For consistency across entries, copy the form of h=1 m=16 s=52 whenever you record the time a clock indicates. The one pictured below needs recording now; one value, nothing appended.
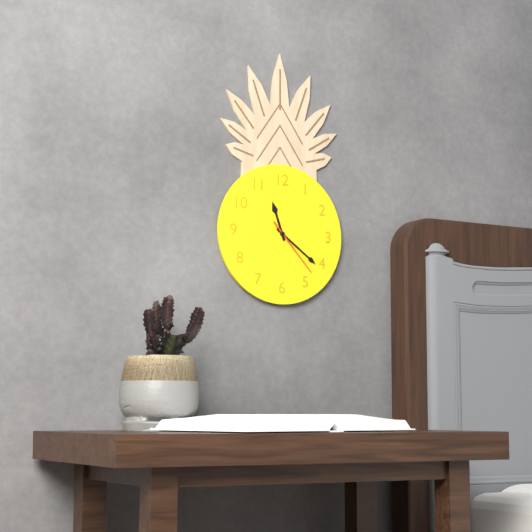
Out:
h=11 m=21 s=23
